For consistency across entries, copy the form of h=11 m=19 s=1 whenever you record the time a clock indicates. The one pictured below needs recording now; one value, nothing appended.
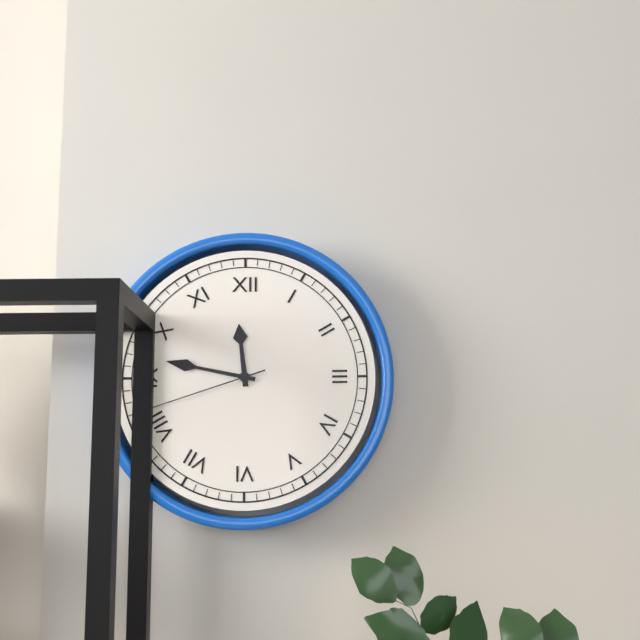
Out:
h=11 m=47 s=42
